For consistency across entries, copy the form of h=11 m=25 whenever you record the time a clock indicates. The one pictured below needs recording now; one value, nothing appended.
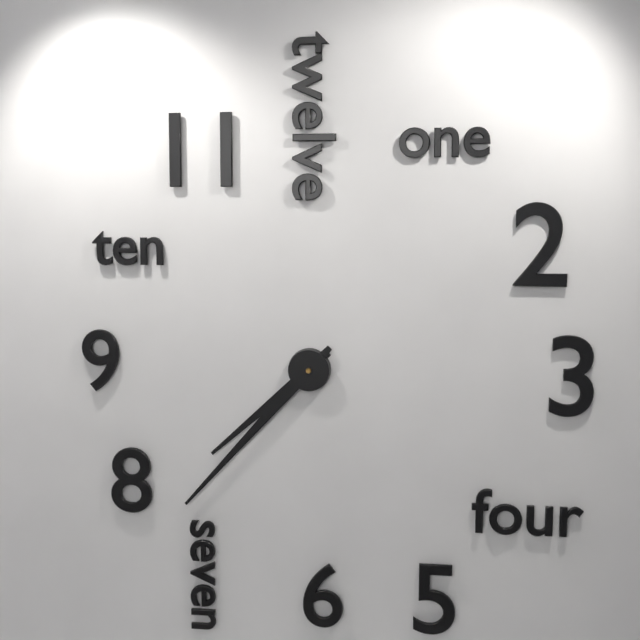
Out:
h=7 m=37
